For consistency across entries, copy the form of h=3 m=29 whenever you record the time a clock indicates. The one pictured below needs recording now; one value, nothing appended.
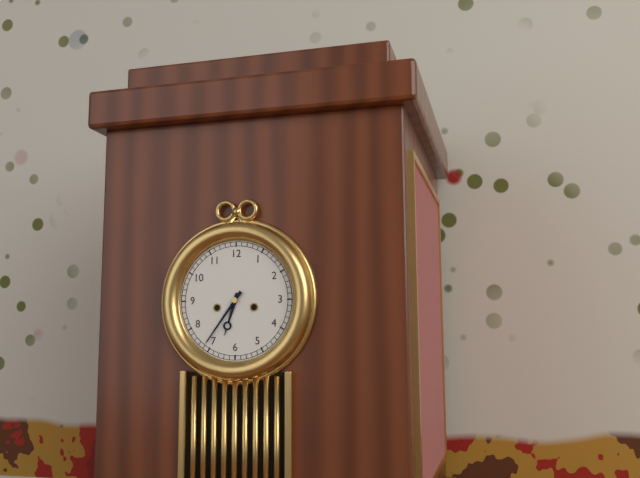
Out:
h=6 m=36
